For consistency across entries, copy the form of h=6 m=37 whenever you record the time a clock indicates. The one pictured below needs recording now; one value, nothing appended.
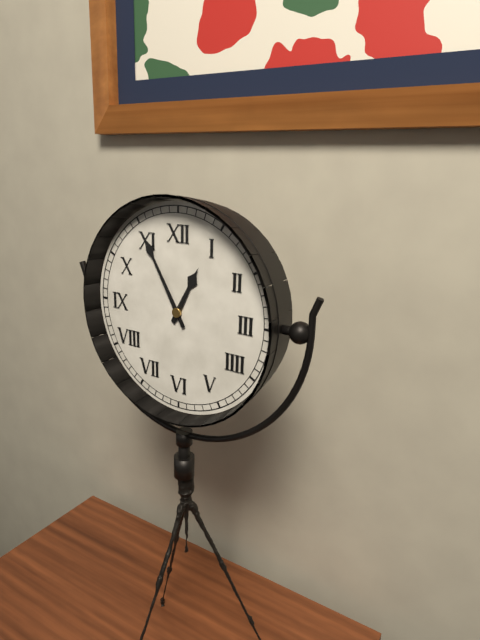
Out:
h=12 m=55
